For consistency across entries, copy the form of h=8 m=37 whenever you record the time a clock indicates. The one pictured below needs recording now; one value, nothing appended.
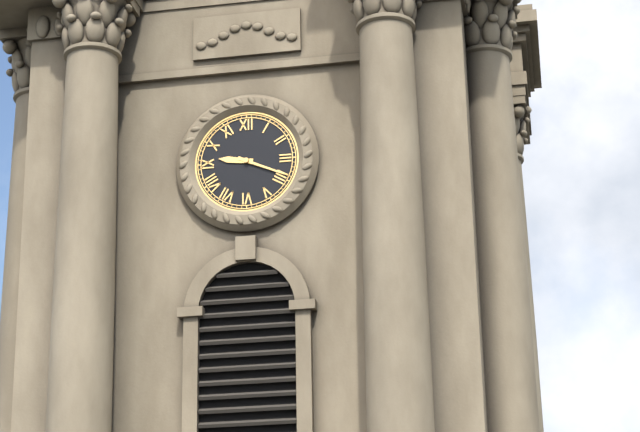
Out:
h=9 m=19
